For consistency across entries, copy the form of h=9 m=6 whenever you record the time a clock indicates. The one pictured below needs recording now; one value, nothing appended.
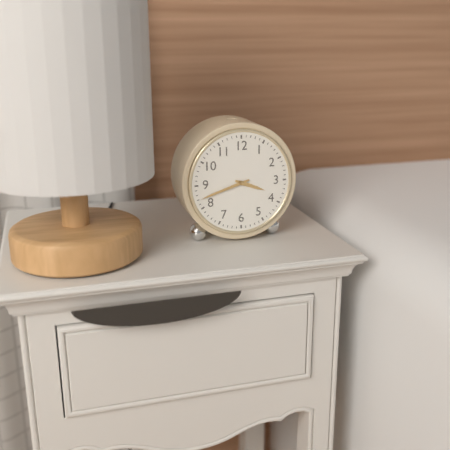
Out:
h=3 m=42
